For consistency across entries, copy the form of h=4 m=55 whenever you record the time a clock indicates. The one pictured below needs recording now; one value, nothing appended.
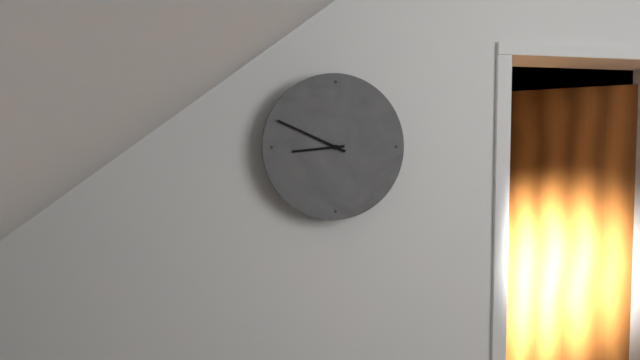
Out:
h=8 m=49
